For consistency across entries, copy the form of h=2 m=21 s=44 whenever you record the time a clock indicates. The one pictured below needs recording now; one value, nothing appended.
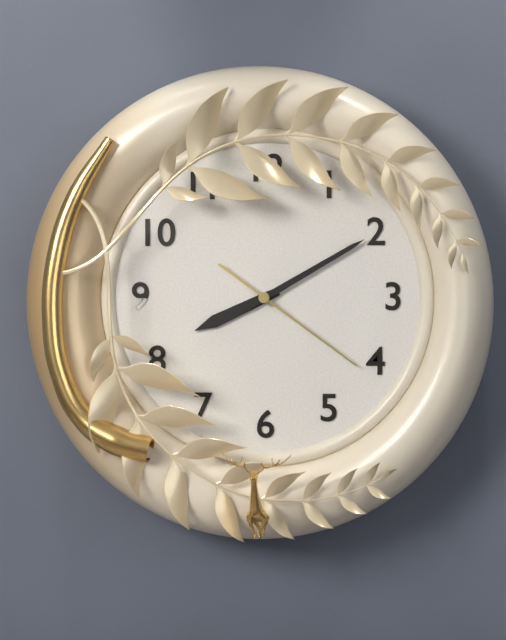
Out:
h=8 m=10 s=21
